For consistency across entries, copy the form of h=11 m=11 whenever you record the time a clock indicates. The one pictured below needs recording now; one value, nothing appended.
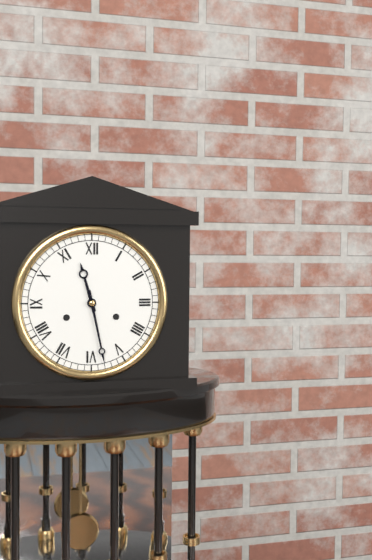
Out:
h=11 m=28
